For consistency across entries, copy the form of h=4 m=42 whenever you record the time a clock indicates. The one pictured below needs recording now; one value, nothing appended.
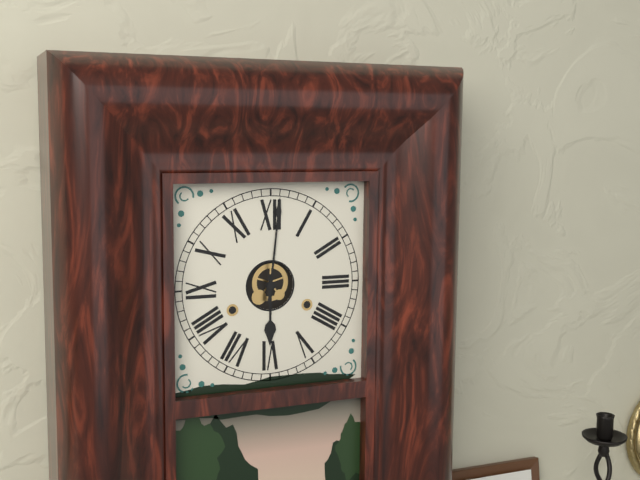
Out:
h=6 m=1
